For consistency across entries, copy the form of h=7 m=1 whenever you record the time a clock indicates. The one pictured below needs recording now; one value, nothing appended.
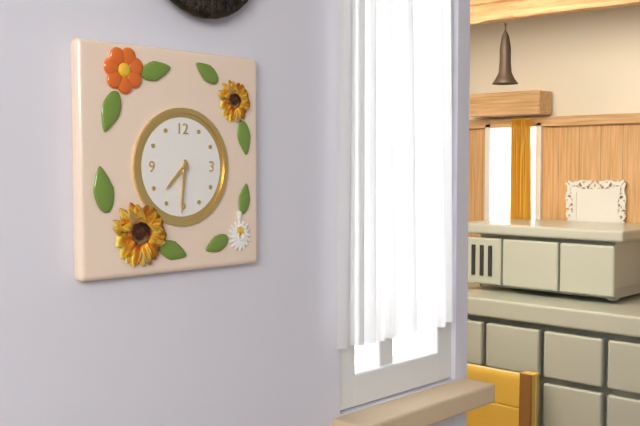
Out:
h=7 m=31
